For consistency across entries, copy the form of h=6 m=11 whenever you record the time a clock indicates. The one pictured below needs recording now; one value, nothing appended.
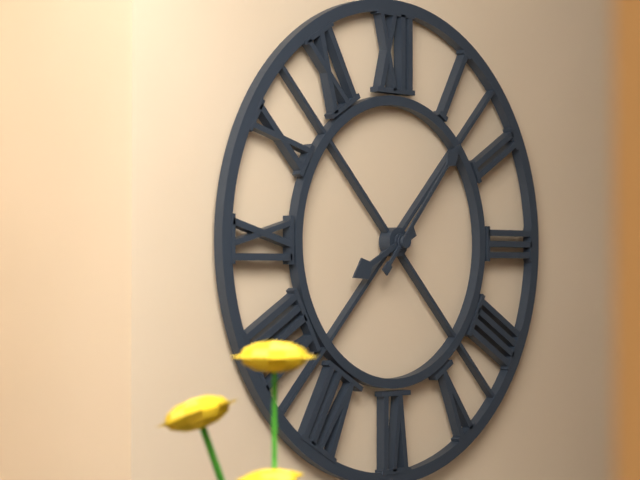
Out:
h=8 m=7
